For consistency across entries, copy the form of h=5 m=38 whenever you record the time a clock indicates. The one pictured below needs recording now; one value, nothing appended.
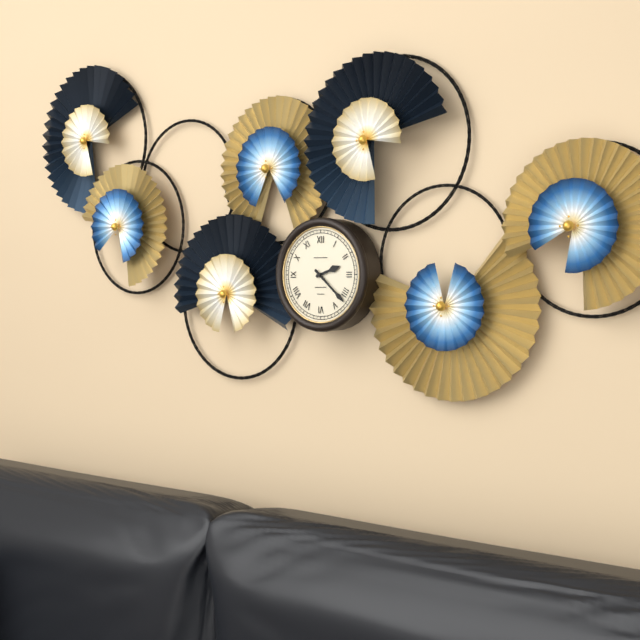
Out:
h=2 m=22
